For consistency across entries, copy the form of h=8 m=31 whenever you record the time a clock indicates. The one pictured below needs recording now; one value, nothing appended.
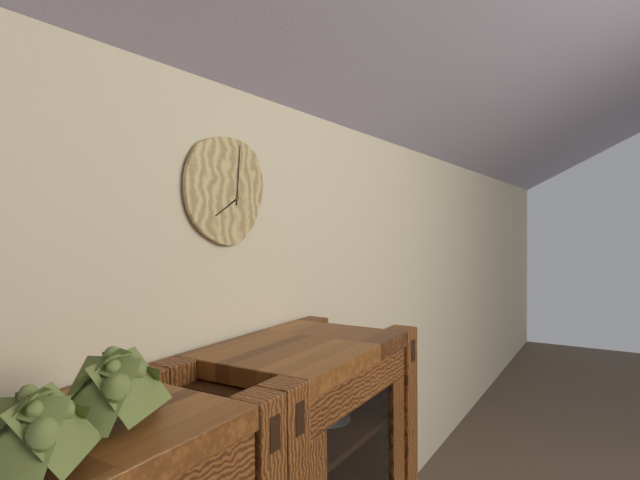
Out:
h=8 m=1
